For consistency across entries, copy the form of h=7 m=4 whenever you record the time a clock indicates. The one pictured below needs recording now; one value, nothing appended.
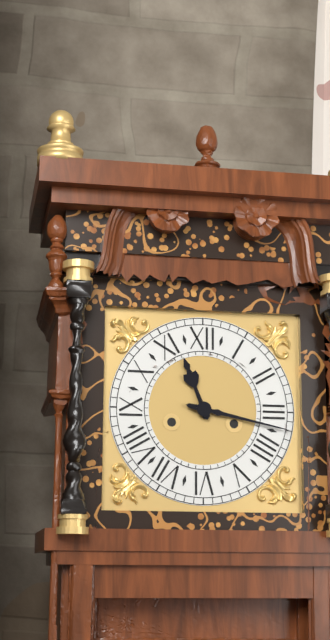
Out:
h=11 m=17
